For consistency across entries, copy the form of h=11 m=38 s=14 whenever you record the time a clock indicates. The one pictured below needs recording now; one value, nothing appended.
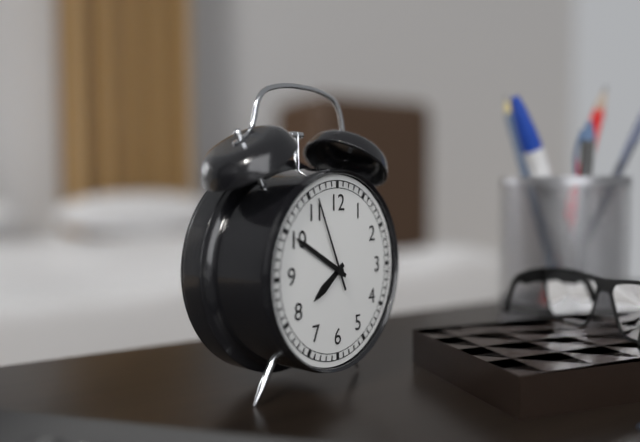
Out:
h=7 m=50 s=56
